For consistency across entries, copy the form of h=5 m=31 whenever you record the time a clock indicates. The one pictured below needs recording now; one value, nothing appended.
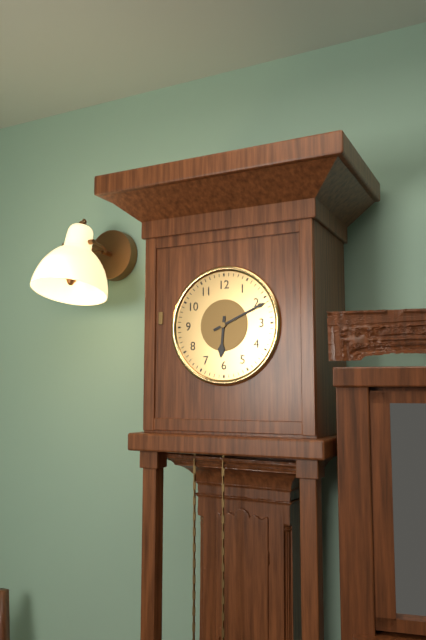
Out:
h=6 m=11
